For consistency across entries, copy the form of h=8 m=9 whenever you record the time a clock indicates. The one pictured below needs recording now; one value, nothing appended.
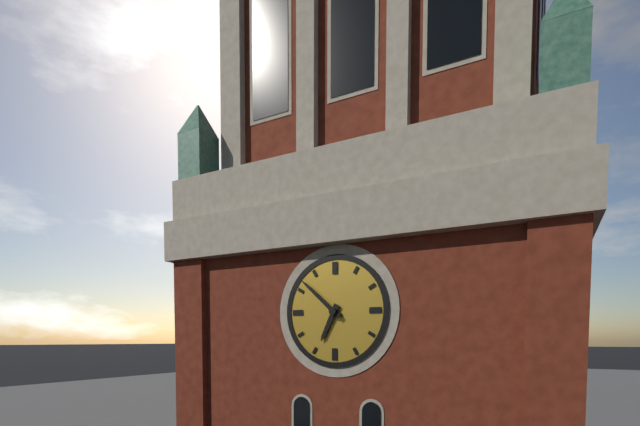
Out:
h=6 m=52
